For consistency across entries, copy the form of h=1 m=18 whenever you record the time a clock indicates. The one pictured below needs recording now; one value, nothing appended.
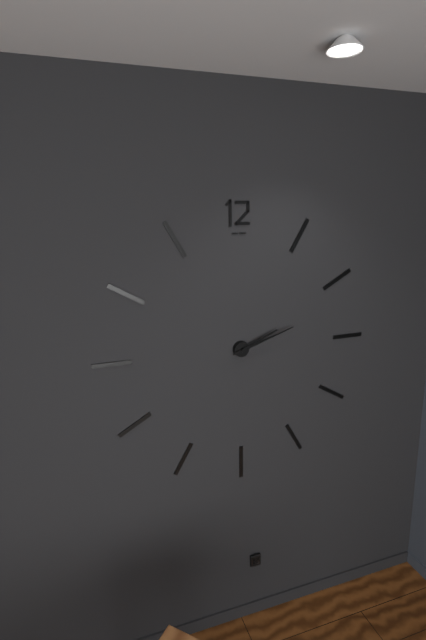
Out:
h=2 m=12
